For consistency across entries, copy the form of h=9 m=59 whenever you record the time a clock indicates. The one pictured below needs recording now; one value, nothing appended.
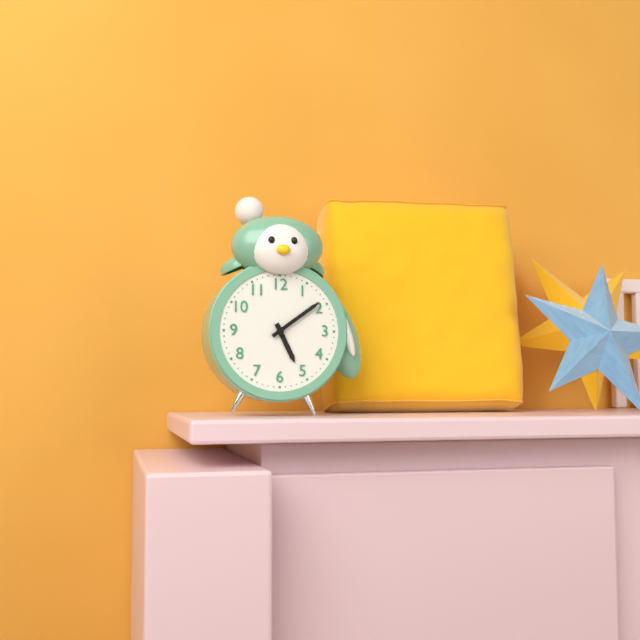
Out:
h=5 m=9
